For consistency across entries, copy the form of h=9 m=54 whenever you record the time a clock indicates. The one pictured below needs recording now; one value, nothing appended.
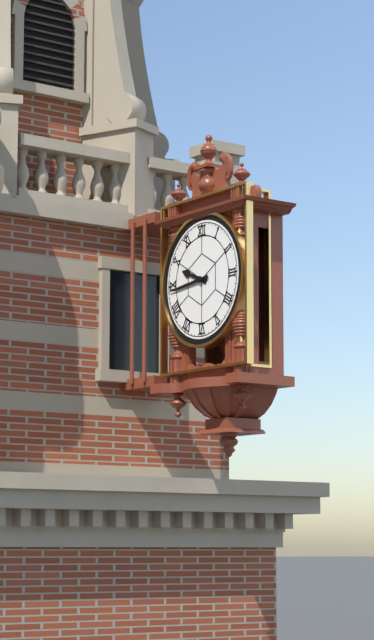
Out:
h=9 m=44
